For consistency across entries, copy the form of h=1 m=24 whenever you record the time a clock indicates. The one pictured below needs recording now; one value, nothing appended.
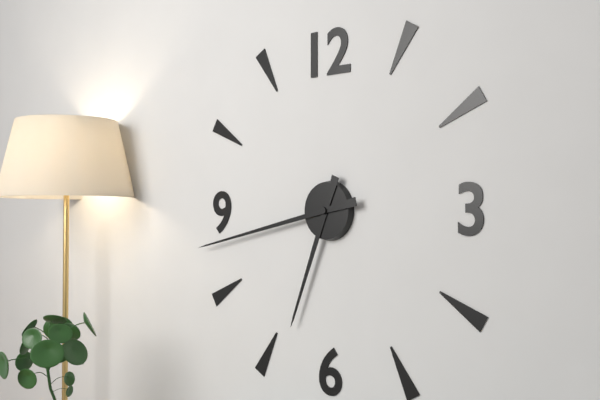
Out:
h=6 m=43
